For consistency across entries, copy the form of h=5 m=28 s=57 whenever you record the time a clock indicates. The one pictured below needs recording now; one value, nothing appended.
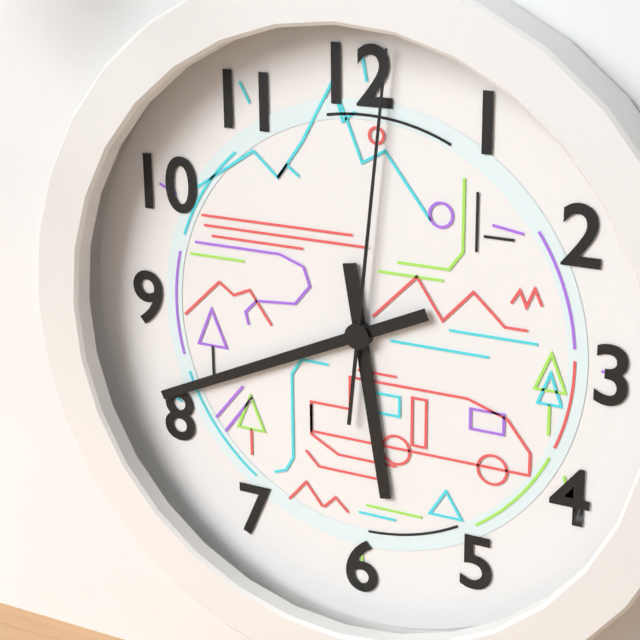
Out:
h=5 m=41 s=1
